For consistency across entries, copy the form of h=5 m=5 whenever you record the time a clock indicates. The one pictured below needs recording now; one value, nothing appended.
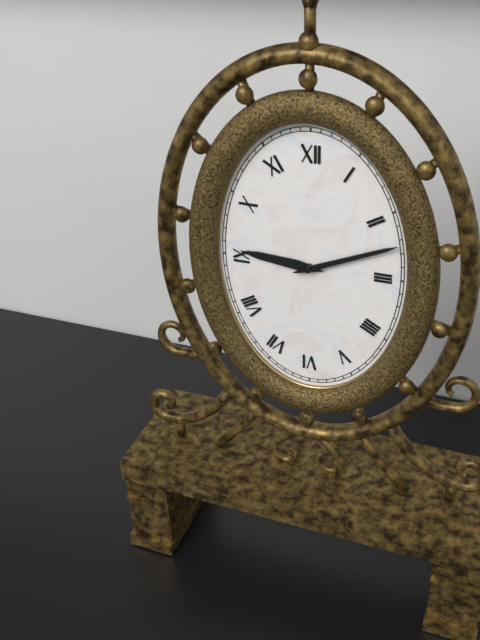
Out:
h=9 m=11
